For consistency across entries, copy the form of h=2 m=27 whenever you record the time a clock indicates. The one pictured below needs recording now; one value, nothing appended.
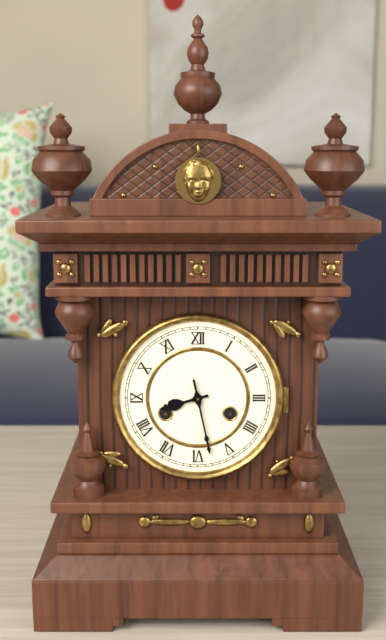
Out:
h=8 m=28
